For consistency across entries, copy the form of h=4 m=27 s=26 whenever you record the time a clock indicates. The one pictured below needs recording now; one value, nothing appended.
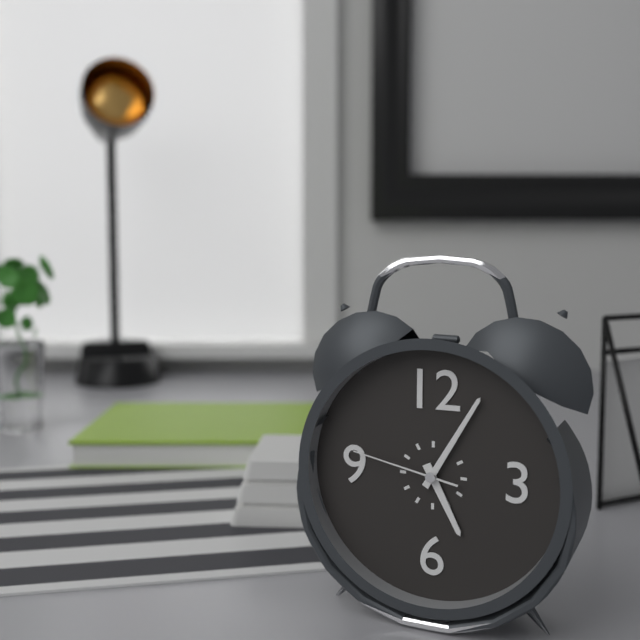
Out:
h=5 m=5 s=47
